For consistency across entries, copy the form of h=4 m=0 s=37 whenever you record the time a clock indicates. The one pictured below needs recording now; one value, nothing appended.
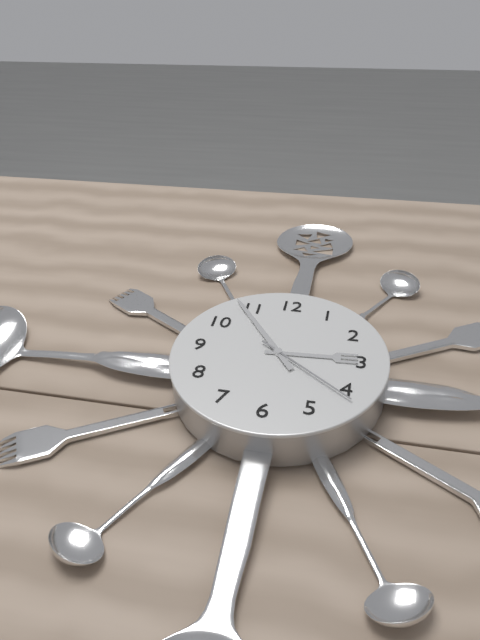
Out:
h=2 m=54 s=21
